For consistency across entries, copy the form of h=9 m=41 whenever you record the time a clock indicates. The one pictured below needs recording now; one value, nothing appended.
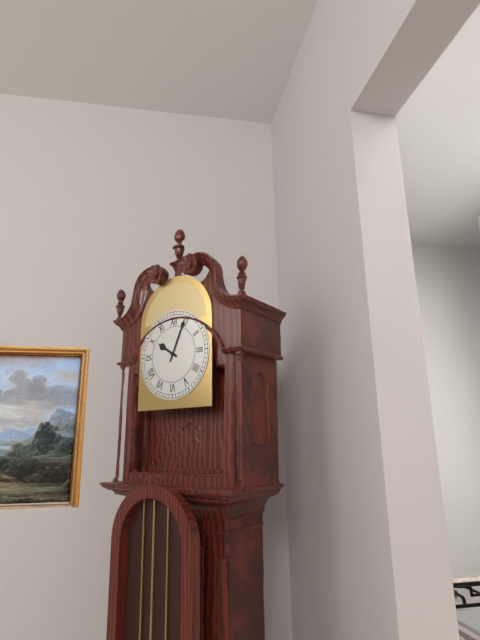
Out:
h=10 m=4
